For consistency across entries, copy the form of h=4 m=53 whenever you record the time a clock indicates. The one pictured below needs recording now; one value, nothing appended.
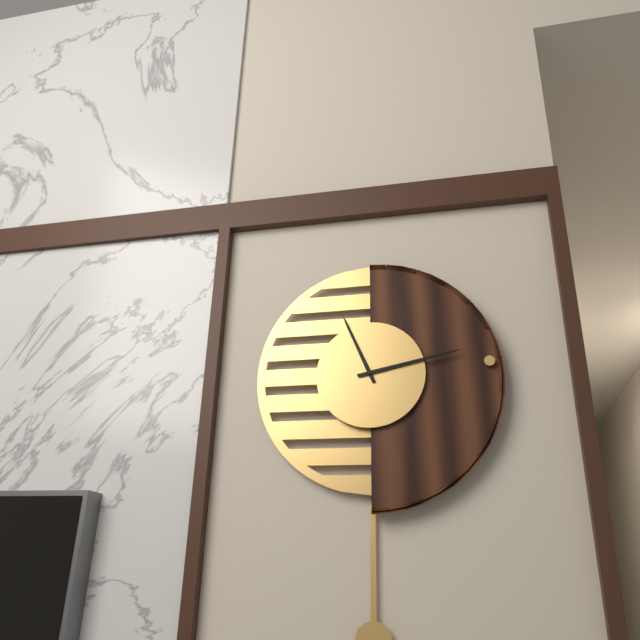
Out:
h=11 m=13
